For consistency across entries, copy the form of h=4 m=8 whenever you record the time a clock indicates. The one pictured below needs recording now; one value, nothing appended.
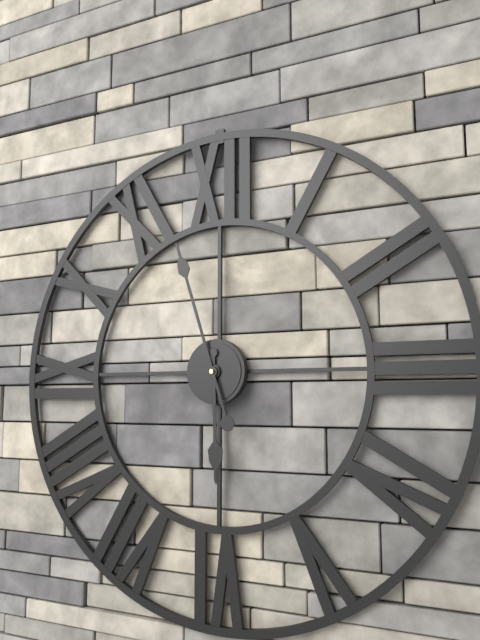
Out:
h=5 m=57
